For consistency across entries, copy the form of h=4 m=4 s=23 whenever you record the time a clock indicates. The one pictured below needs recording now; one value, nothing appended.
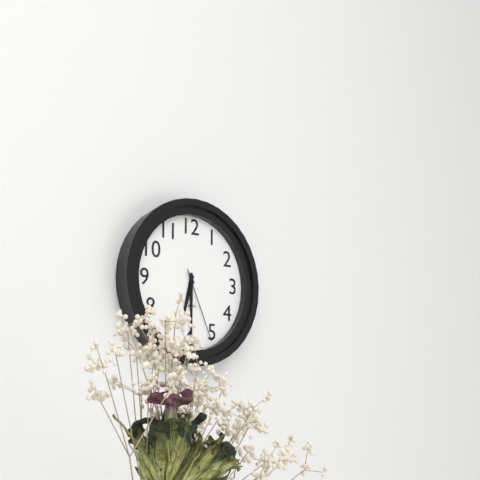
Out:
h=6 m=30 s=26
